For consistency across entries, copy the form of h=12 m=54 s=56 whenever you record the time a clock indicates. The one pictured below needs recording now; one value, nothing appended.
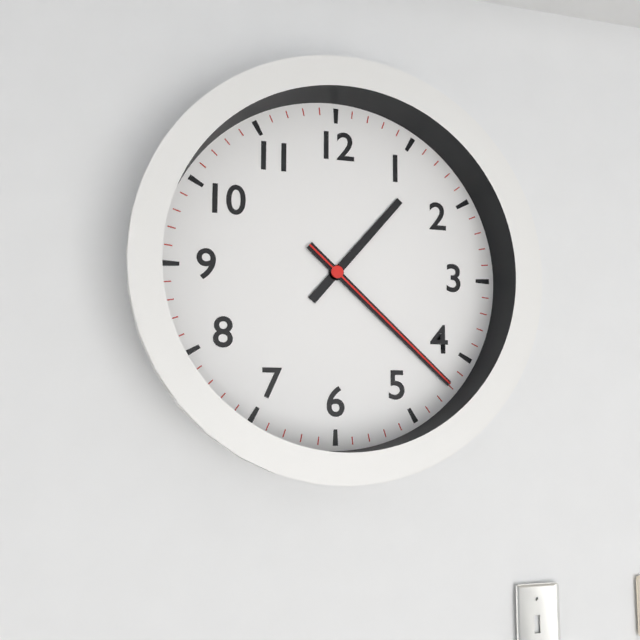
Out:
h=1 m=22 s=22
